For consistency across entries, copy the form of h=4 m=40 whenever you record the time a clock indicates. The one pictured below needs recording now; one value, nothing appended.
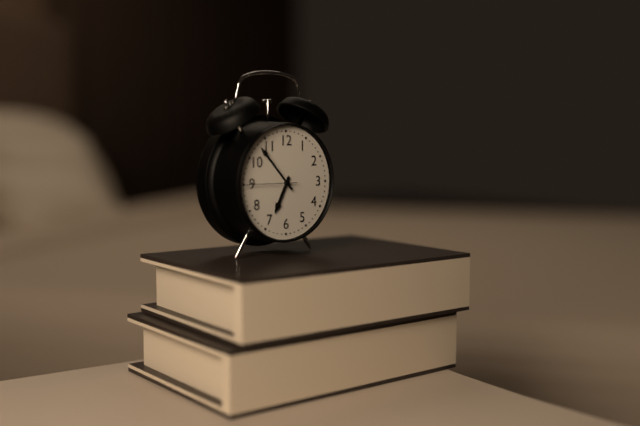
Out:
h=6 m=53
